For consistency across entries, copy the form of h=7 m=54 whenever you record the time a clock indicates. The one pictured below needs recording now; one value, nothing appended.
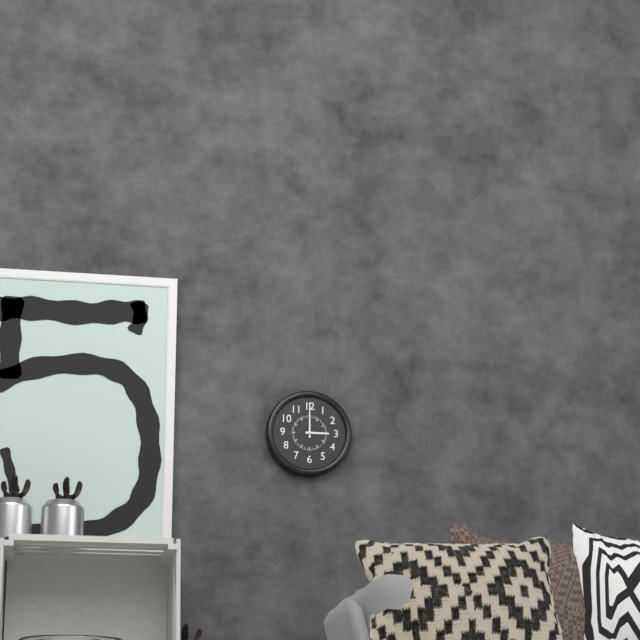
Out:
h=3 m=0
